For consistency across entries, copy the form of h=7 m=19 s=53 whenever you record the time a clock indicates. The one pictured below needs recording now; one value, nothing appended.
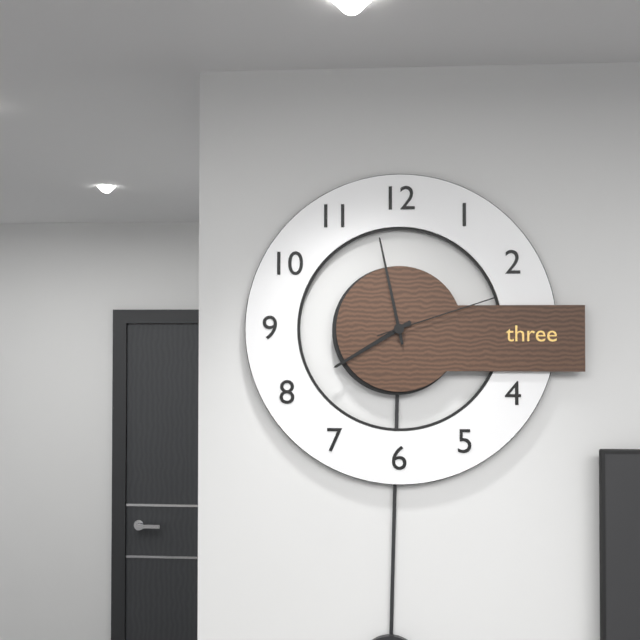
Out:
h=7 m=58 s=12
